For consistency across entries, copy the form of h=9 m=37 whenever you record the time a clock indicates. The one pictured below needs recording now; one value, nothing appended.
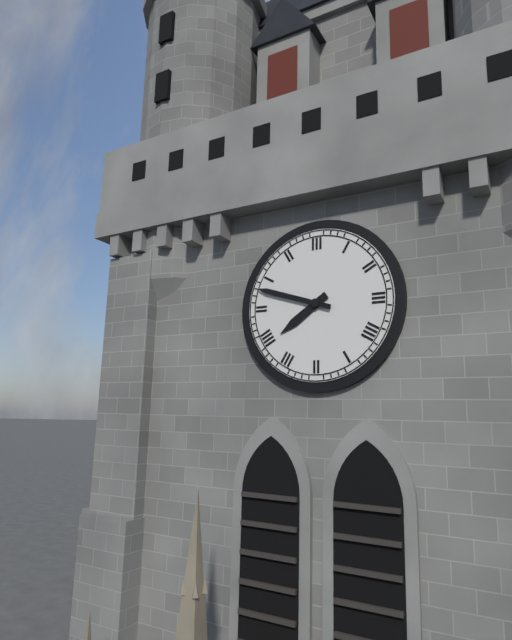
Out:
h=7 m=48
